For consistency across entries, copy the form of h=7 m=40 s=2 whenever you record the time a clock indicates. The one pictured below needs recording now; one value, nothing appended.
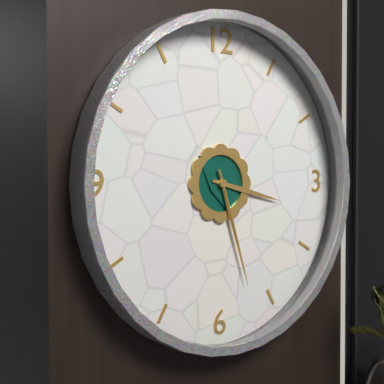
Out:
h=3 m=27 s=27
